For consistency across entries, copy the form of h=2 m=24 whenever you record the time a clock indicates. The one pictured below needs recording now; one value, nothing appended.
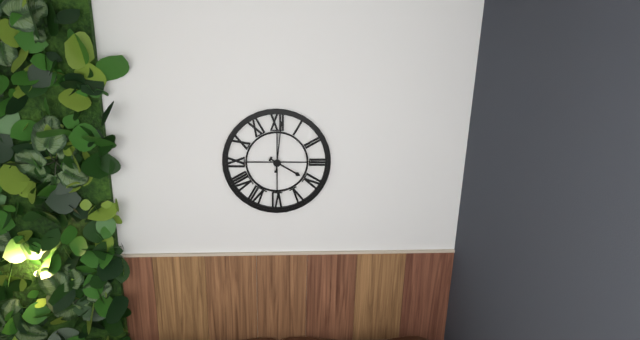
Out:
h=4 m=1
